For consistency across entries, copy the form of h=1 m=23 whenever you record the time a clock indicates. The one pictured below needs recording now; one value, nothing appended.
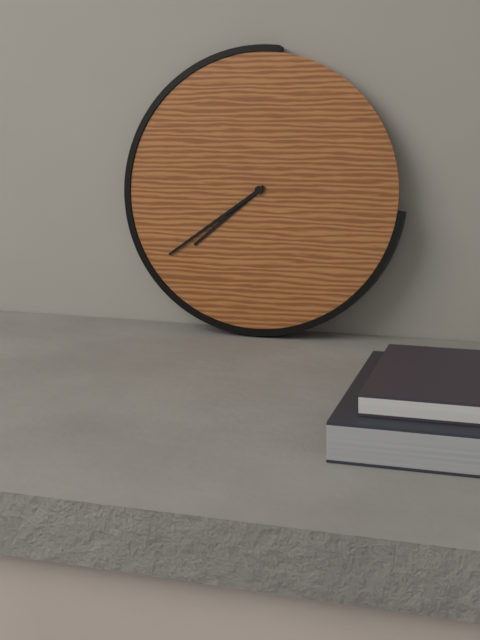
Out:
h=7 m=39
